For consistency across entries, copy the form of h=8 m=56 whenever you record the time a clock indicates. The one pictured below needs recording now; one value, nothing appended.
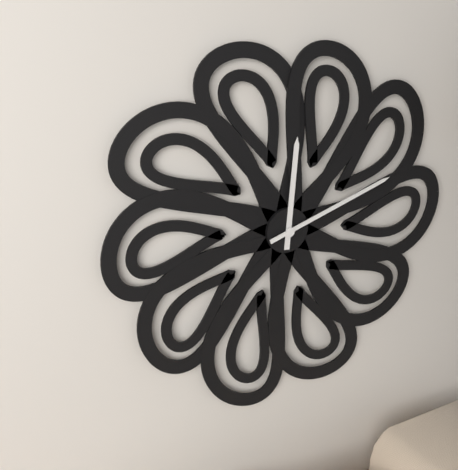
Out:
h=12 m=12
